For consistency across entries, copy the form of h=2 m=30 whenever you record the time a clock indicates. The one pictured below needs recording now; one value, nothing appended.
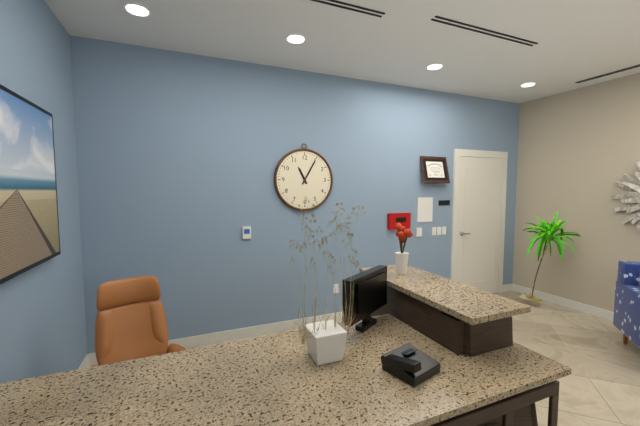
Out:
h=11 m=5
